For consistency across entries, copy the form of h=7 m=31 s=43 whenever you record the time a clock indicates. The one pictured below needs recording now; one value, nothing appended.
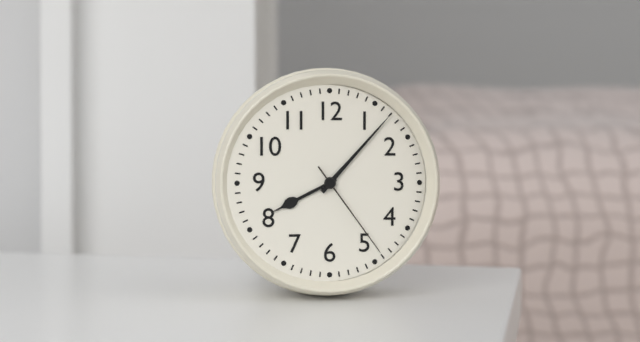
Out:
h=8 m=7 s=24
